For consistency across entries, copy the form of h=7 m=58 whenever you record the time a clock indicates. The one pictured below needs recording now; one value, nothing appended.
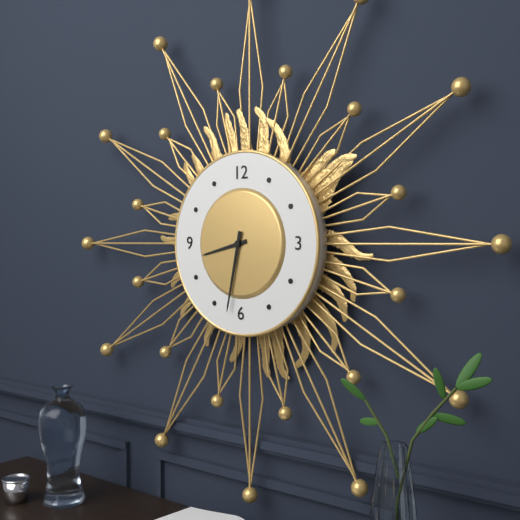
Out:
h=8 m=32
